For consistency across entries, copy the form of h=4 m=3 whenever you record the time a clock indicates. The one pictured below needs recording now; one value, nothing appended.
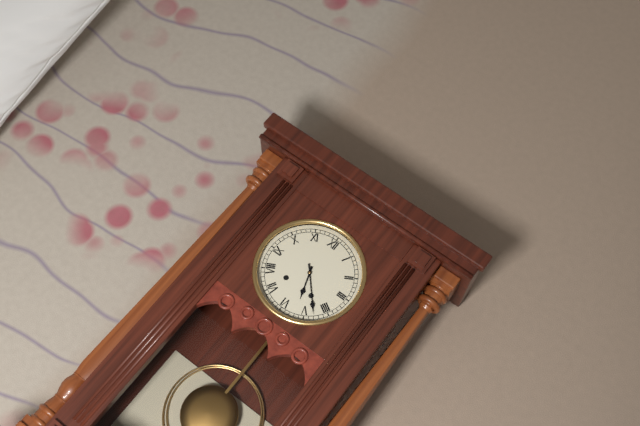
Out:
h=5 m=23
